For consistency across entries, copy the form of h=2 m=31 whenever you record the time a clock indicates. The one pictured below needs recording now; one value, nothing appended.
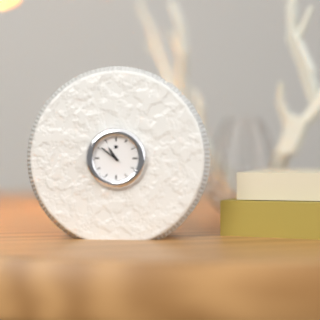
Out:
h=10 m=51
